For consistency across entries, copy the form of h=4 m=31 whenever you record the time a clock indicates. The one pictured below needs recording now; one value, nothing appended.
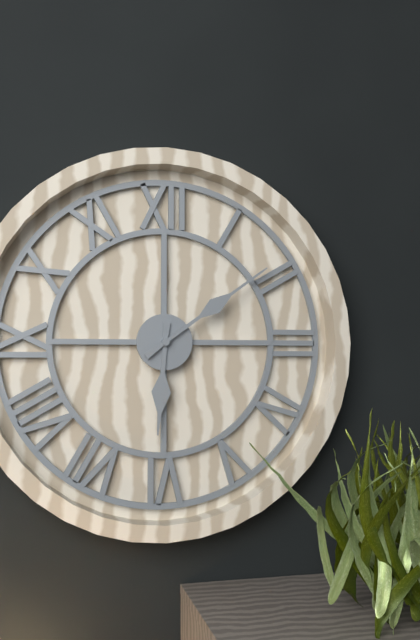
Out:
h=6 m=9
